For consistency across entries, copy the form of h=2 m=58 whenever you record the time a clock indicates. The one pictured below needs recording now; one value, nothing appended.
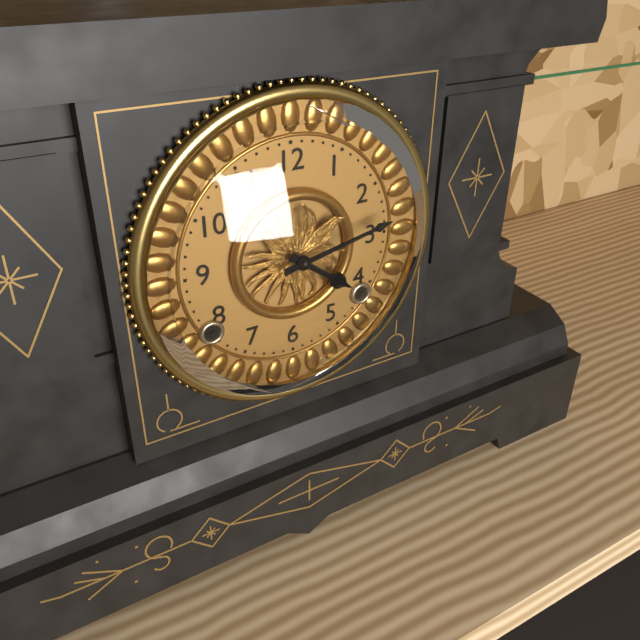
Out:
h=4 m=13
